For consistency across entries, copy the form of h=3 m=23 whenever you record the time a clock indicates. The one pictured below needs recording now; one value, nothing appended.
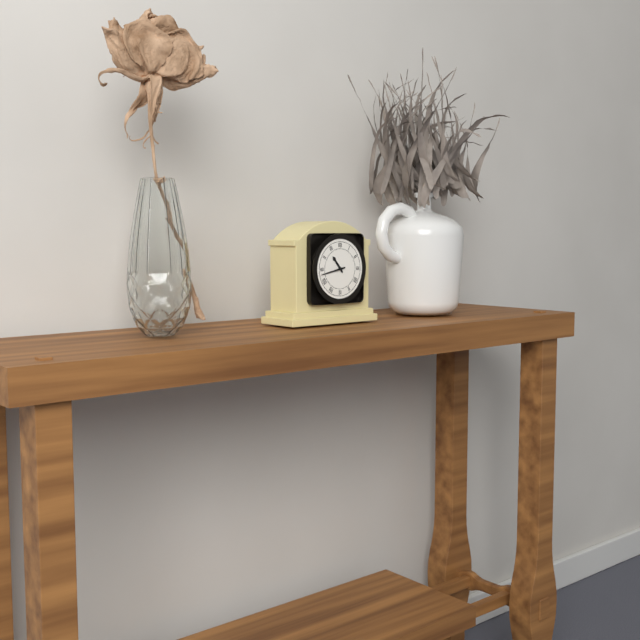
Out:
h=10 m=43
